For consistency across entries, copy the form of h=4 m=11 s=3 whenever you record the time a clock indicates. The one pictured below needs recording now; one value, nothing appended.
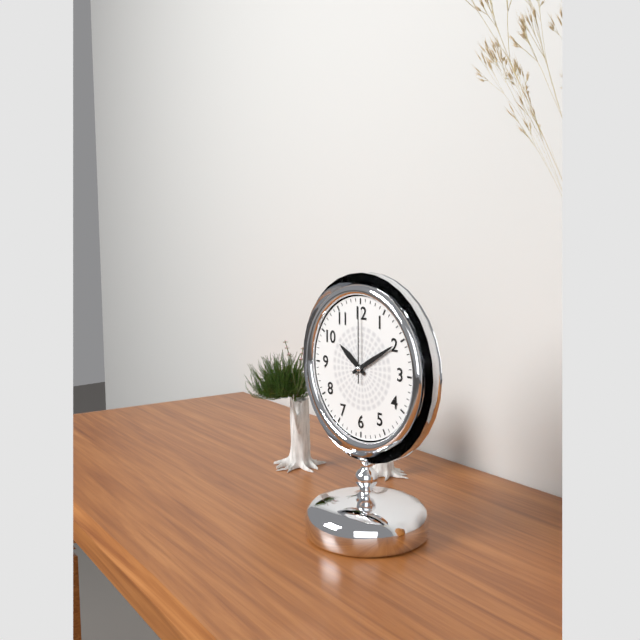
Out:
h=10 m=10 s=0
